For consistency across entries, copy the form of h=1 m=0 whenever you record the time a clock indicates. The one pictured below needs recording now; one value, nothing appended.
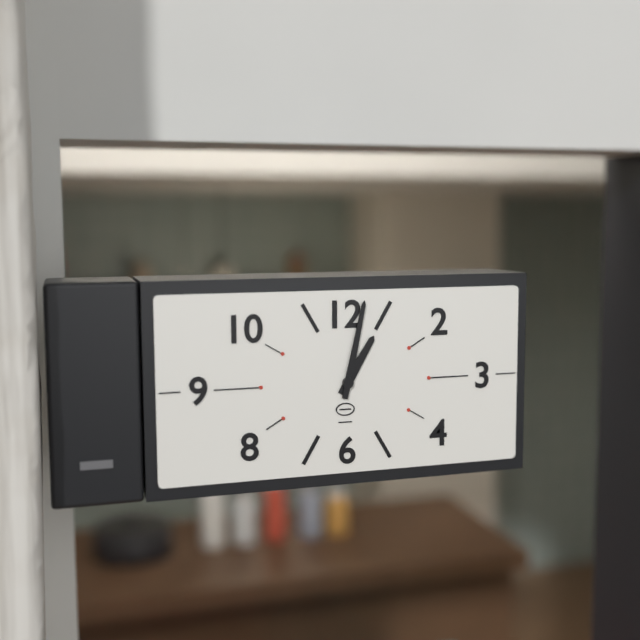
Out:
h=1 m=2
